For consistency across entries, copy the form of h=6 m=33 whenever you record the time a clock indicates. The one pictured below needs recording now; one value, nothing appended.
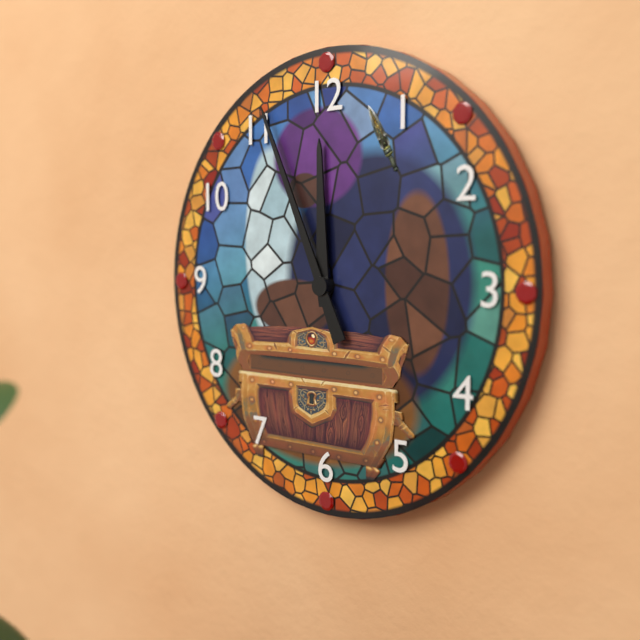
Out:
h=11 m=56
